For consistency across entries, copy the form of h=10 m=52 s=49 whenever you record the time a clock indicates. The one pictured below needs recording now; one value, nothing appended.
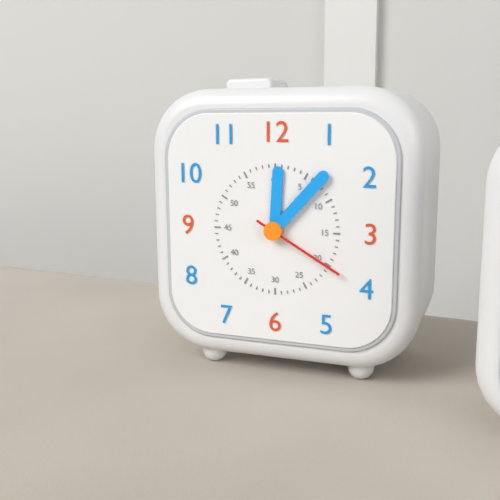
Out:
h=12 m=7 s=20
